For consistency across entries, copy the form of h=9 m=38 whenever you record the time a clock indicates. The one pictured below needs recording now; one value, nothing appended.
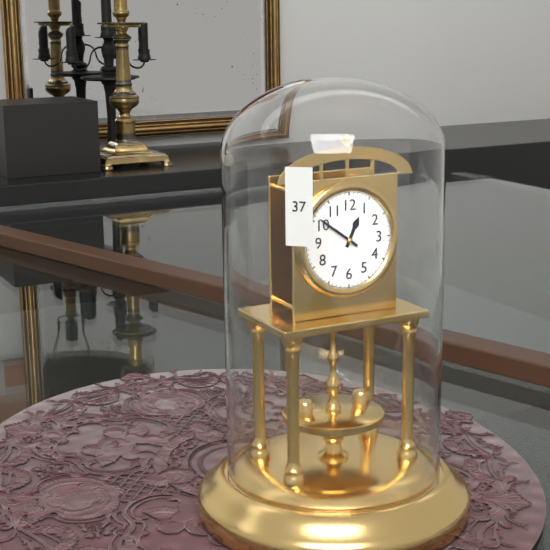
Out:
h=12 m=51
